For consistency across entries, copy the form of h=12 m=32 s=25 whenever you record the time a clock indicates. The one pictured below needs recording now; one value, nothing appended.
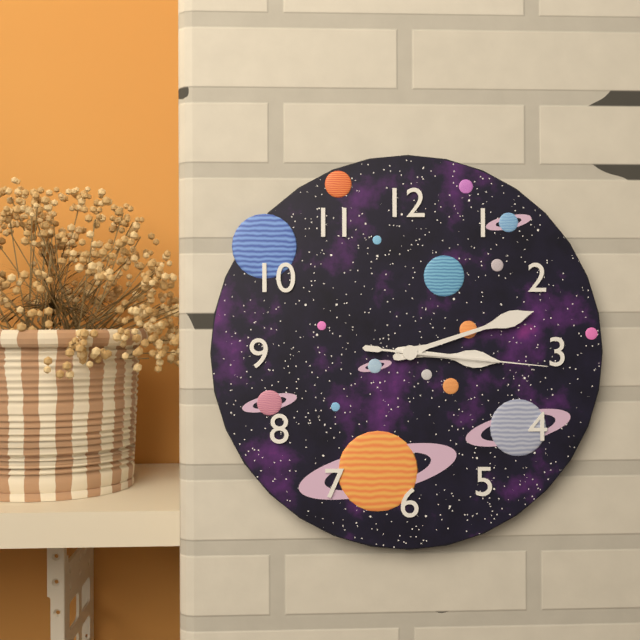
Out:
h=3 m=12 s=16
